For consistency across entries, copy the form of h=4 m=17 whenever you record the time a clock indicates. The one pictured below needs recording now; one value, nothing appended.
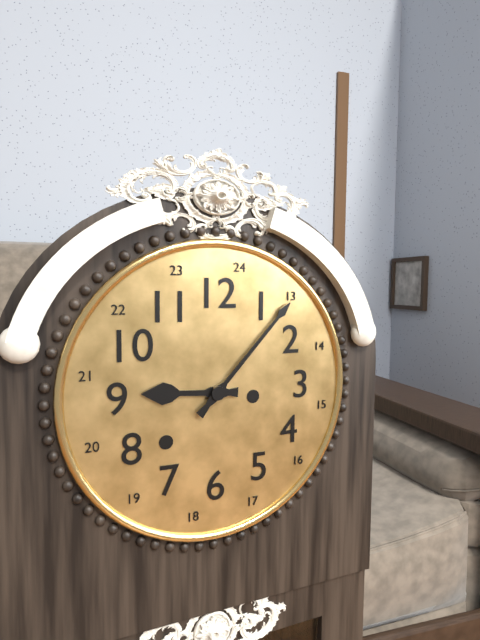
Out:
h=9 m=7
